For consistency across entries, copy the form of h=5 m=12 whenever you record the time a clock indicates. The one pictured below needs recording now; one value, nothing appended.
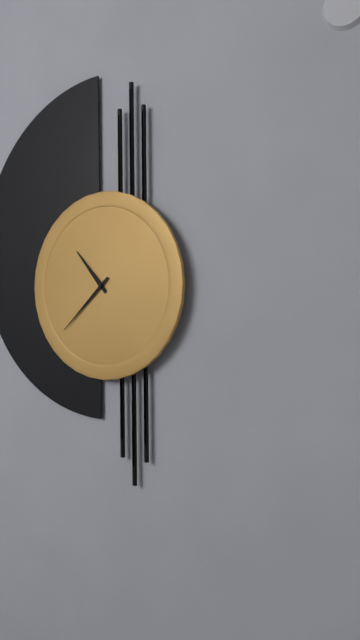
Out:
h=10 m=38
